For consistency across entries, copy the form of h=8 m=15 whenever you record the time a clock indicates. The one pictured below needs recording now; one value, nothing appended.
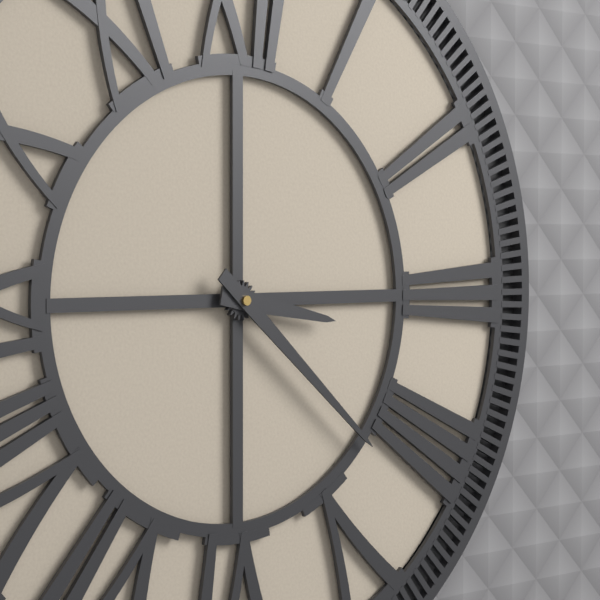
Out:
h=3 m=22
